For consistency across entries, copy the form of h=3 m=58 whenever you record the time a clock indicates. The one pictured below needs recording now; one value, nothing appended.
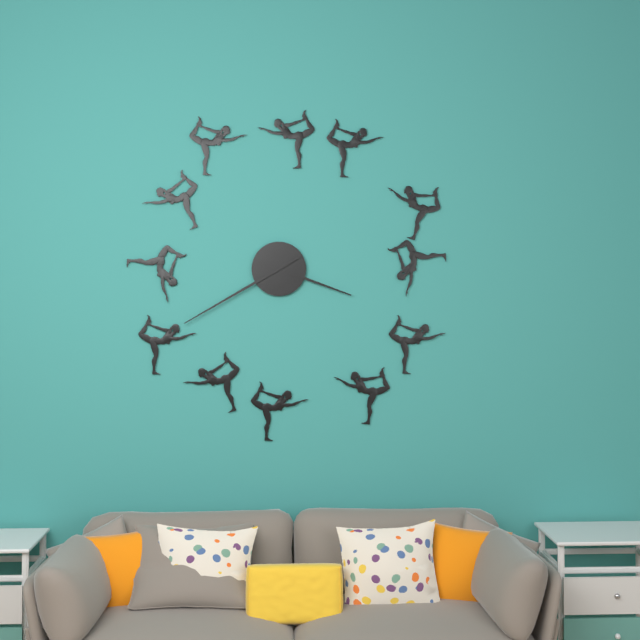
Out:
h=3 m=40
